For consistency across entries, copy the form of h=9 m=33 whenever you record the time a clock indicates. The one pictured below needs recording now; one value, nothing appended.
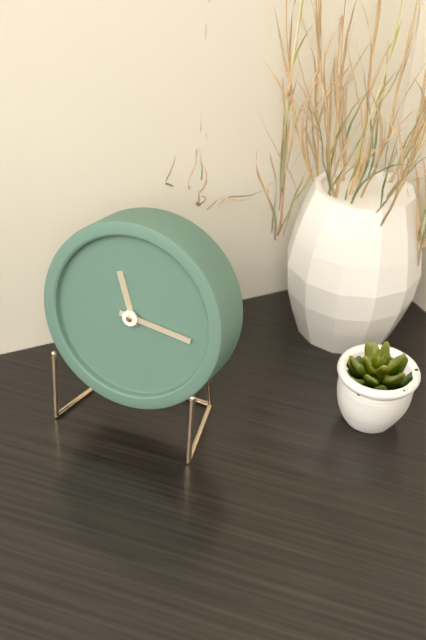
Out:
h=11 m=16
